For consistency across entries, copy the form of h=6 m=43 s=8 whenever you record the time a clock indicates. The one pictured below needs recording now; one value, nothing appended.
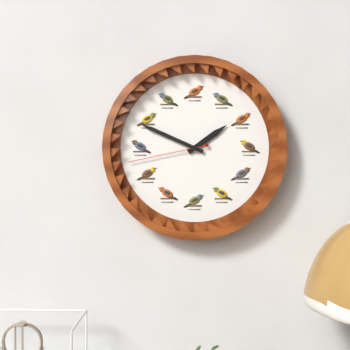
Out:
h=1 m=49 s=43
